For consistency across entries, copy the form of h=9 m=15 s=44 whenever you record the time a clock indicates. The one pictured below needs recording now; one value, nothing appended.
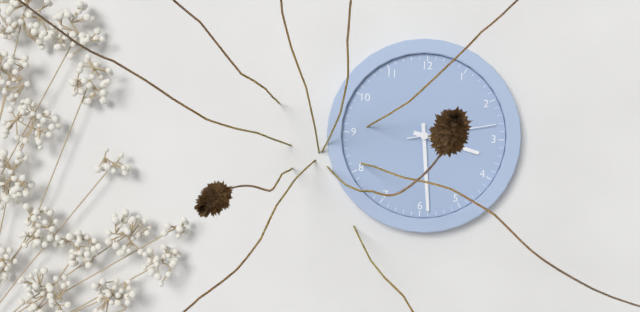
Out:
h=3 m=29 s=13
